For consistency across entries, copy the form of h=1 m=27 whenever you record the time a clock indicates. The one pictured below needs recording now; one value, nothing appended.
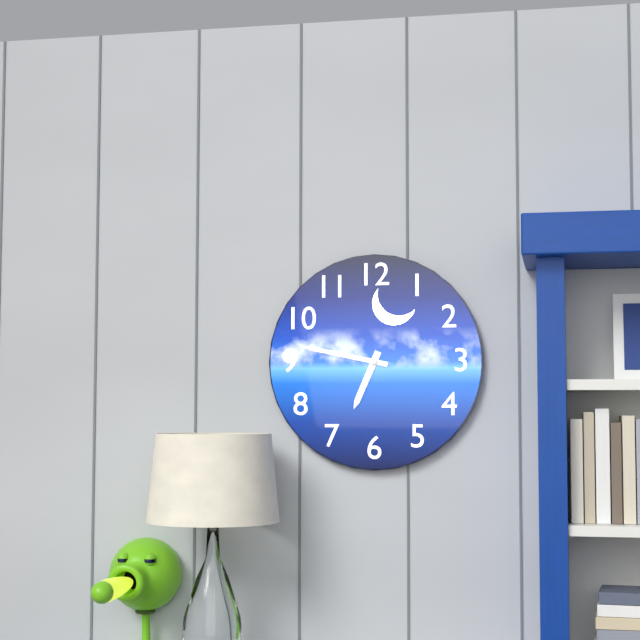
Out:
h=6 m=47
